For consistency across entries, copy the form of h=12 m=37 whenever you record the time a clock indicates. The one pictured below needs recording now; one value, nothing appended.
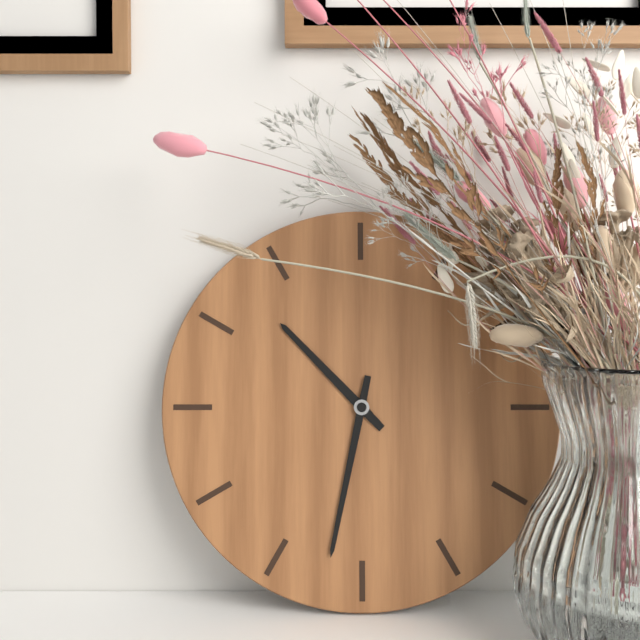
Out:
h=10 m=32
